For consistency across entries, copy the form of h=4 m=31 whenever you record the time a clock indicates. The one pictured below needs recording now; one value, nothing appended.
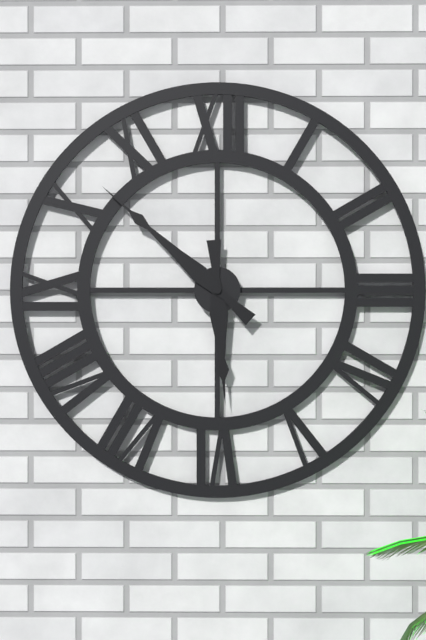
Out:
h=5 m=52
